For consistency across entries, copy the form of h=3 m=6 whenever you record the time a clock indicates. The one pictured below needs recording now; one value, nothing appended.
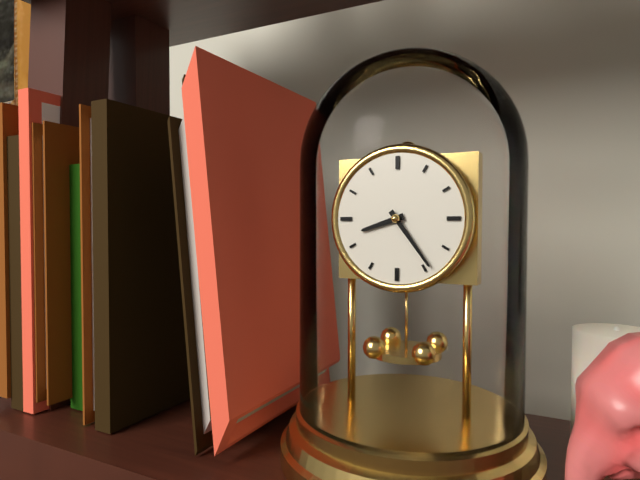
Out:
h=8 m=24
